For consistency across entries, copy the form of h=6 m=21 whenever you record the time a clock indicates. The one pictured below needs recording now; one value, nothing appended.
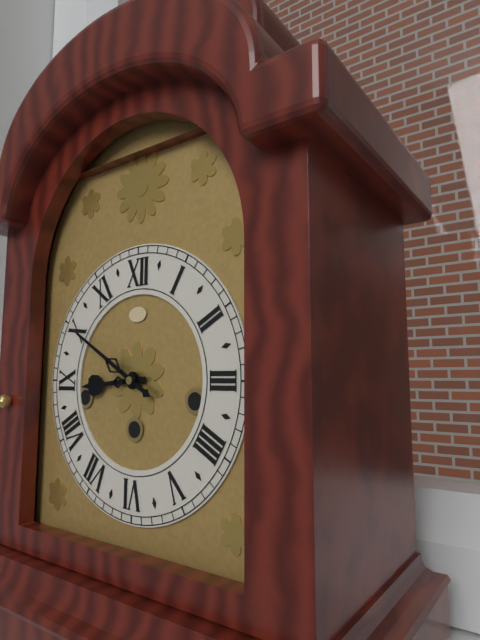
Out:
h=8 m=50
